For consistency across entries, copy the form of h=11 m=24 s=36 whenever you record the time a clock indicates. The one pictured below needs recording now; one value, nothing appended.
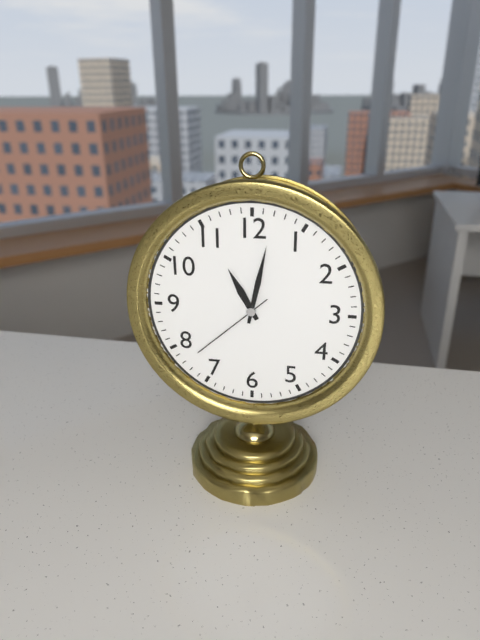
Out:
h=11 m=2 s=38
